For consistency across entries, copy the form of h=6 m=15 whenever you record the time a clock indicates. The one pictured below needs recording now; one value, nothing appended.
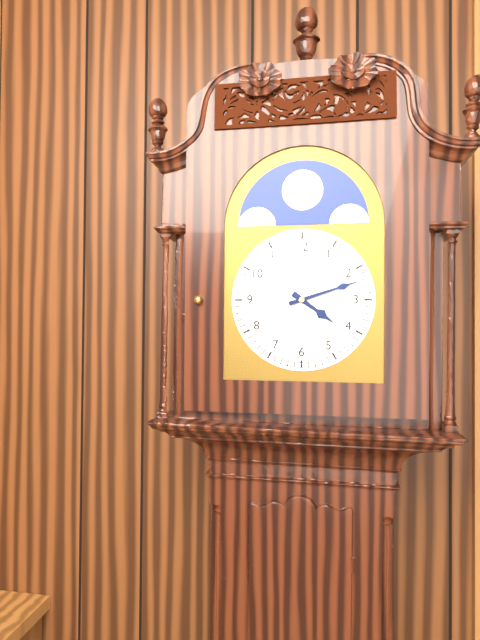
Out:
h=4 m=12
